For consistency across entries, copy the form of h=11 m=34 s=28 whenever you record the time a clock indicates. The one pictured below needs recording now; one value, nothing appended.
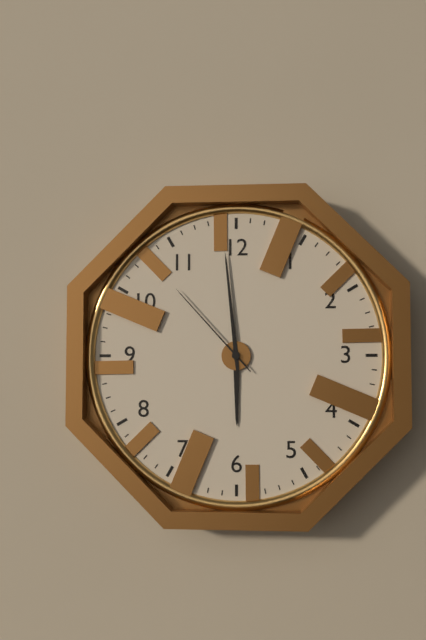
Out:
h=5 m=59 s=53
